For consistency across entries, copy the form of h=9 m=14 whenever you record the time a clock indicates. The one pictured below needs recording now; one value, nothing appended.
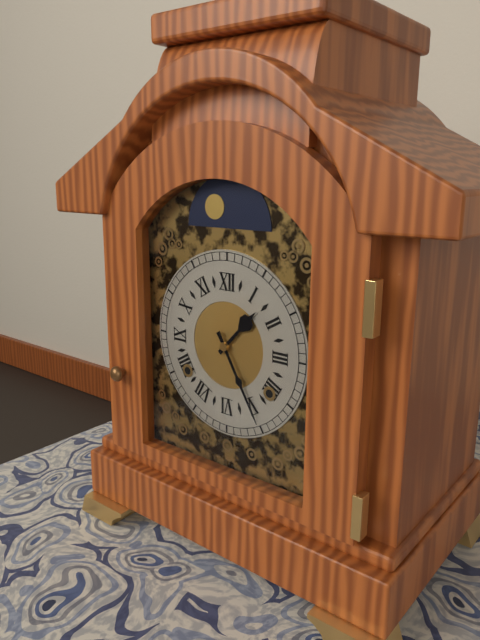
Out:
h=1 m=25
